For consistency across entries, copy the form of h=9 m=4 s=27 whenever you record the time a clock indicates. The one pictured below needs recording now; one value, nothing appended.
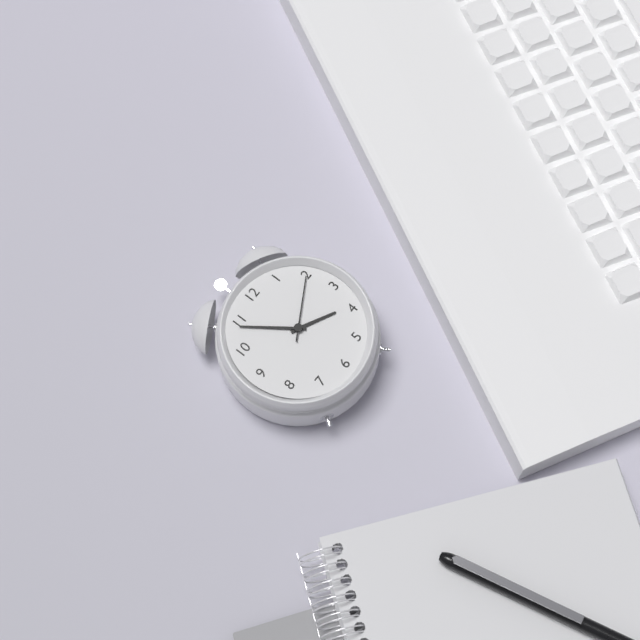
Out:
h=3 m=54 s=10
